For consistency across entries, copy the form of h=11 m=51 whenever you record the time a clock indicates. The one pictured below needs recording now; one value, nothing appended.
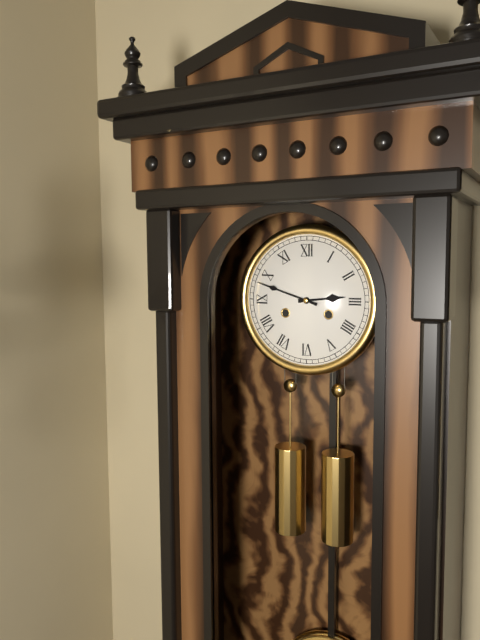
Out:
h=2 m=48
